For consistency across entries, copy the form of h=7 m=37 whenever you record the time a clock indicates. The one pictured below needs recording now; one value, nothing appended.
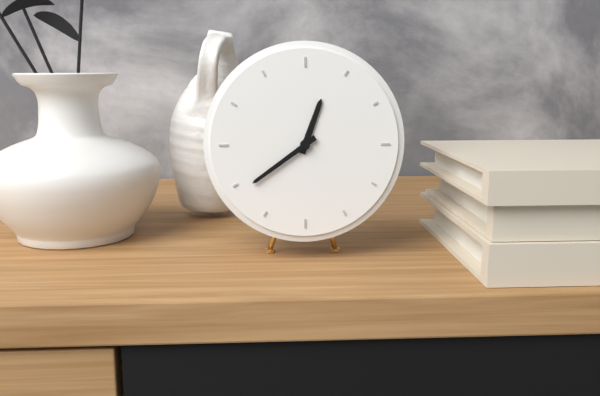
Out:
h=12 m=39
